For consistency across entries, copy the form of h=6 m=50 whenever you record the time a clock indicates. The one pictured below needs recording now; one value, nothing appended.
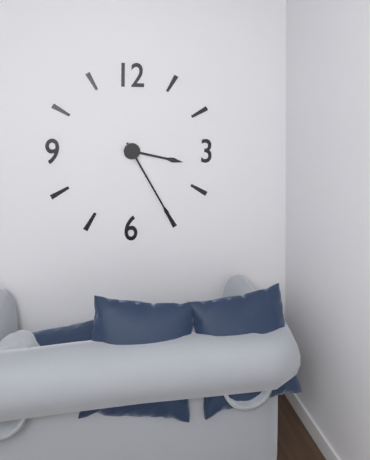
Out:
h=3 m=25
